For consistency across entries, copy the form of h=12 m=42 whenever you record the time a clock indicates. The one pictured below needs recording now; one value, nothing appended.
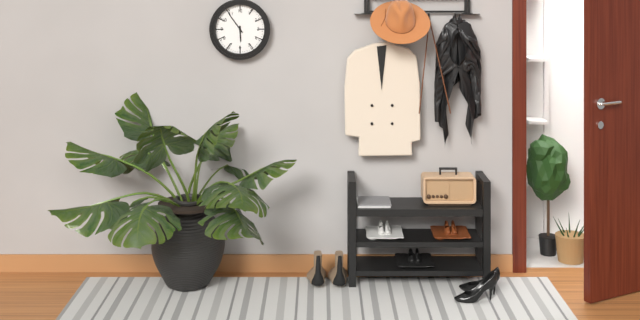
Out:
h=5 m=54
